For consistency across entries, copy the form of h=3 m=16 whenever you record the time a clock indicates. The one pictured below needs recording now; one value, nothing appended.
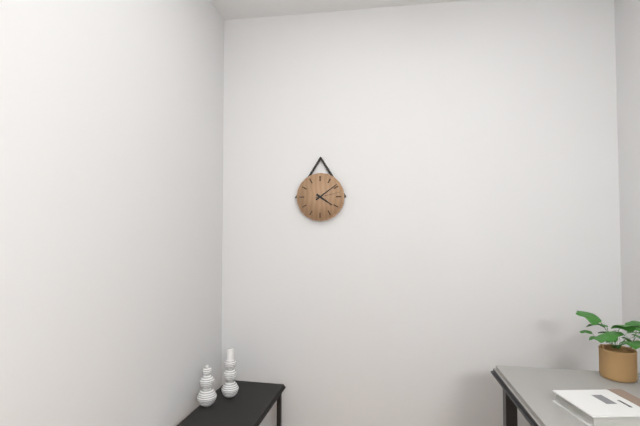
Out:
h=4 m=9
